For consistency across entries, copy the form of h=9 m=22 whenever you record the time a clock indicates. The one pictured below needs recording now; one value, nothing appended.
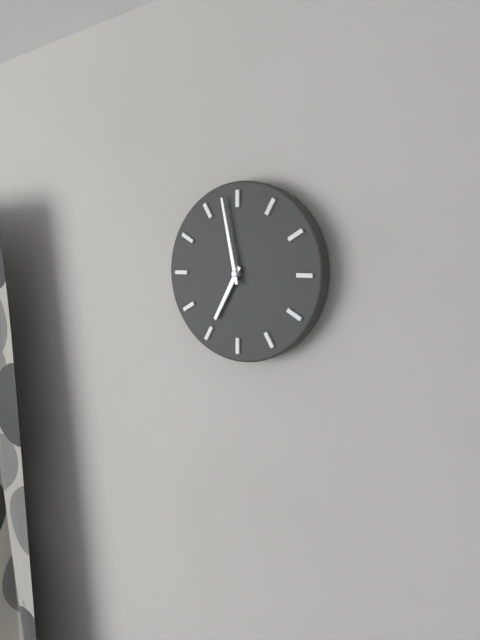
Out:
h=6 m=58
